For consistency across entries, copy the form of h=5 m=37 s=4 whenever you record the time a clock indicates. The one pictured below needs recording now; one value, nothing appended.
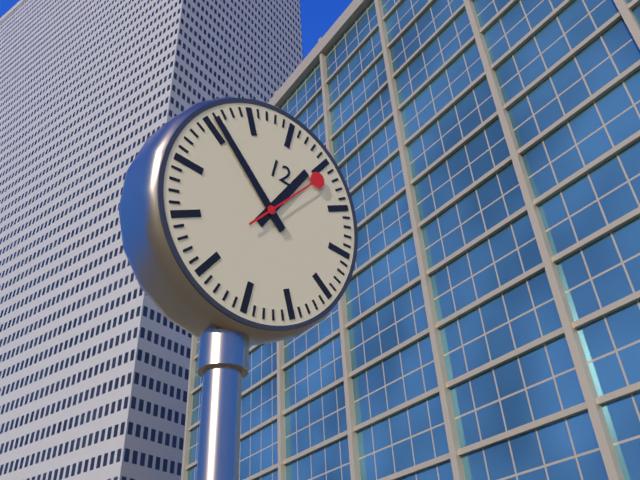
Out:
h=12 m=51 s=6
